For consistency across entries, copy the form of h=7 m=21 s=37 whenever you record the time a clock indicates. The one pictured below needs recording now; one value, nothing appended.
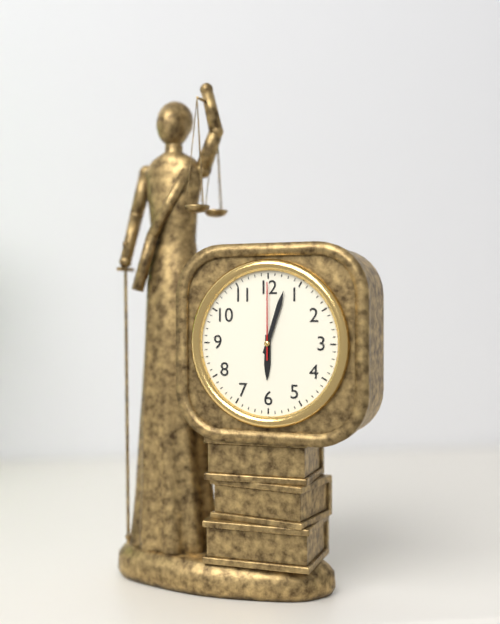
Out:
h=6 m=3 s=0
